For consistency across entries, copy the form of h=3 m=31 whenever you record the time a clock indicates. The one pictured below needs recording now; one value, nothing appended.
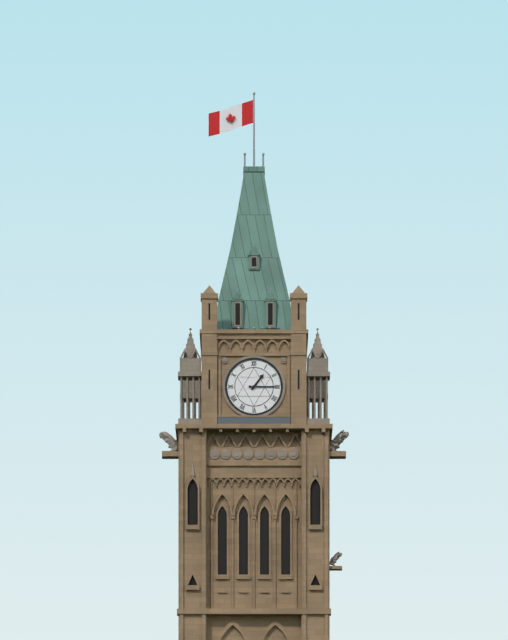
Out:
h=1 m=15
